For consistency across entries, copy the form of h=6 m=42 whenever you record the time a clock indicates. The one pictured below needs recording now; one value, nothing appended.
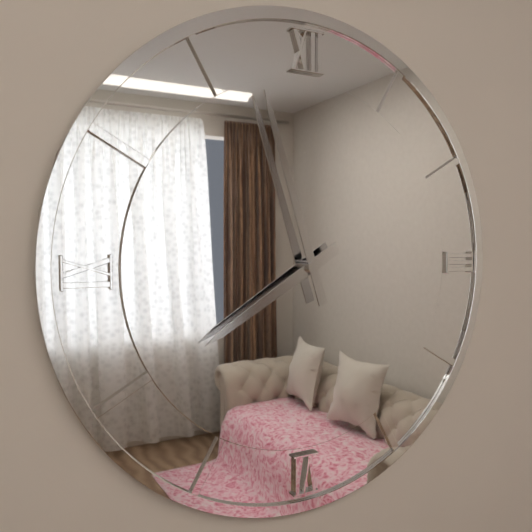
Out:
h=7 m=57
